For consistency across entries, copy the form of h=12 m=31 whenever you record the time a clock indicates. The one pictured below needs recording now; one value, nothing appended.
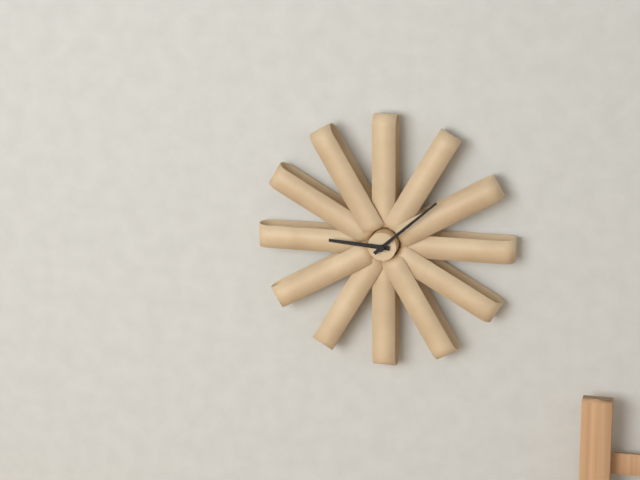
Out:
h=9 m=8
